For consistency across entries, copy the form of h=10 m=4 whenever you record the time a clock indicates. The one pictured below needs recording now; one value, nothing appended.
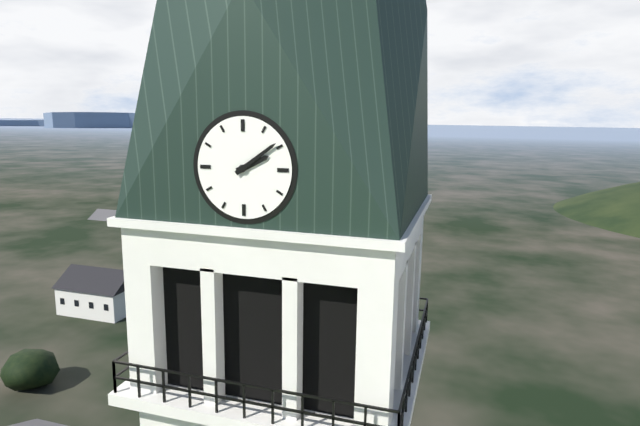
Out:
h=2 m=9
